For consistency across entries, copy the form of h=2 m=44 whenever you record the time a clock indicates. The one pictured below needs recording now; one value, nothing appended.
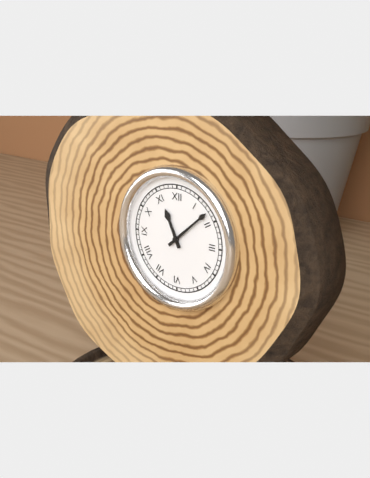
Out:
h=11 m=8
